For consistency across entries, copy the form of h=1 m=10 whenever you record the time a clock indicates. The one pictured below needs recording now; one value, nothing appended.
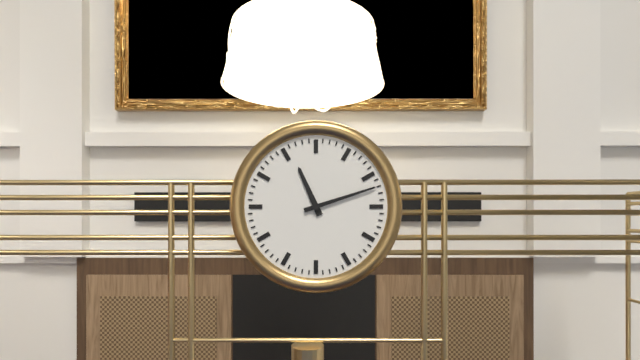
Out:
h=11 m=12
